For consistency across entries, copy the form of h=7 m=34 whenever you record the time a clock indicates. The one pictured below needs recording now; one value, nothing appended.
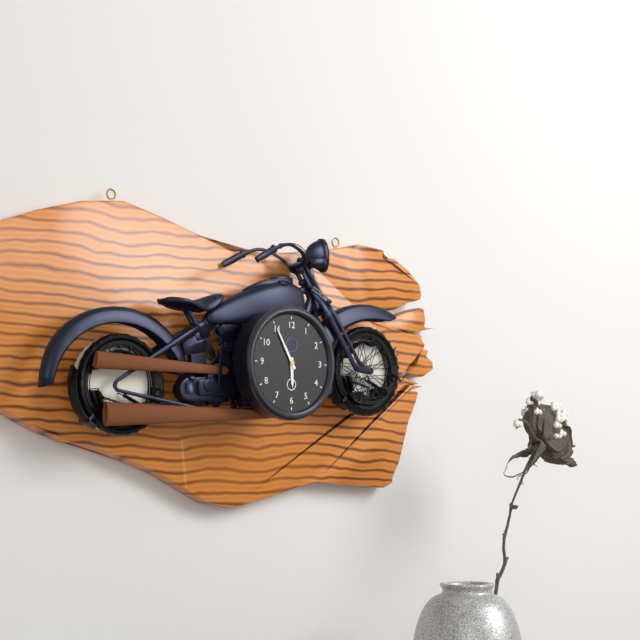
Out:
h=5 m=55
